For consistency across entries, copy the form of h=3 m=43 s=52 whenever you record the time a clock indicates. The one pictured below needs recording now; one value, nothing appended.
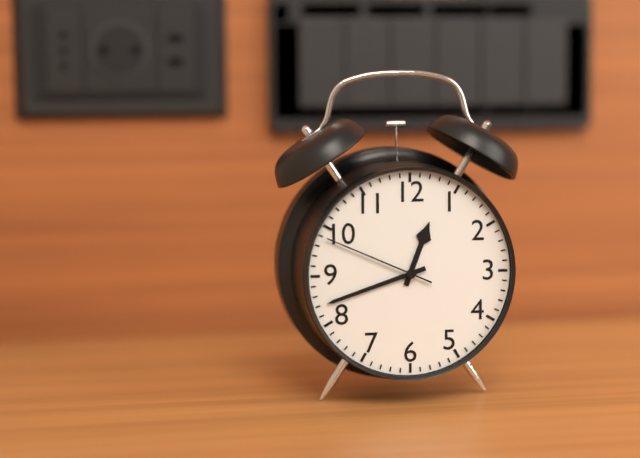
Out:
h=12 m=42 s=49
